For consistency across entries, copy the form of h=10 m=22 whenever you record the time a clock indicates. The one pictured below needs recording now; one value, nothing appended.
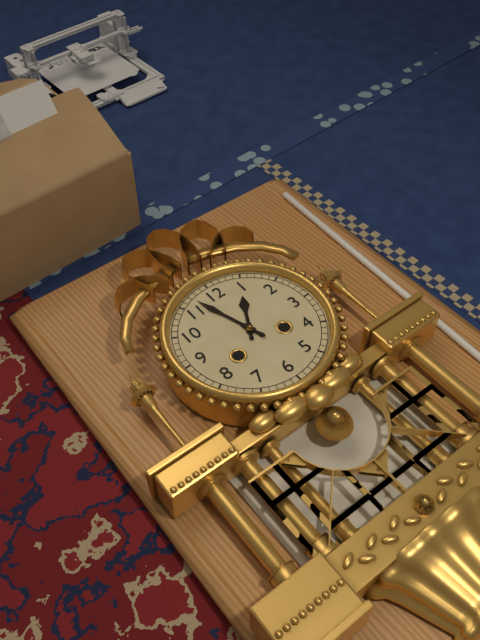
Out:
h=12 m=57
